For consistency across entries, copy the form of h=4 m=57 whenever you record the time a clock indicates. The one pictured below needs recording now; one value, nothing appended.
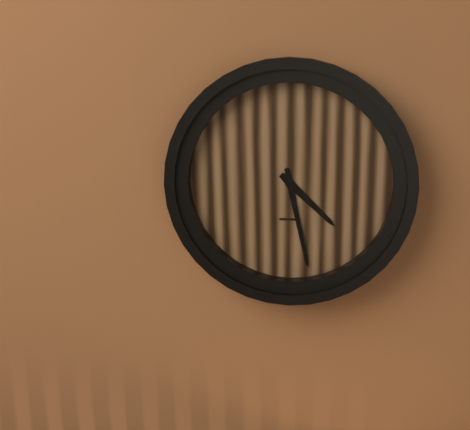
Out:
h=4 m=28
